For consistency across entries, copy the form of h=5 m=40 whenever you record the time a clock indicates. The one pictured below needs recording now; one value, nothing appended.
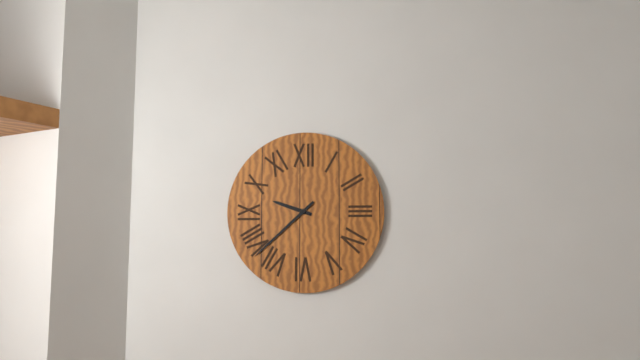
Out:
h=9 m=38
